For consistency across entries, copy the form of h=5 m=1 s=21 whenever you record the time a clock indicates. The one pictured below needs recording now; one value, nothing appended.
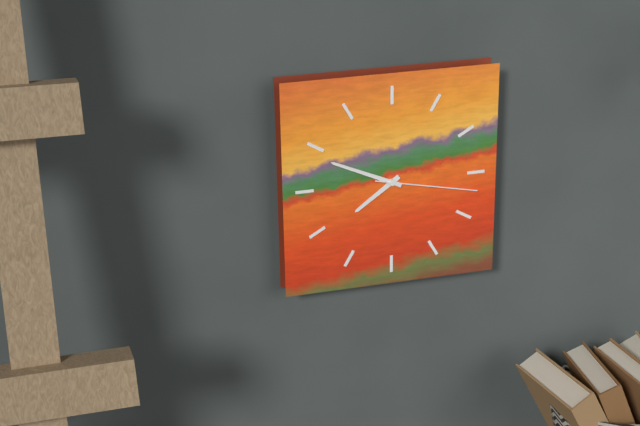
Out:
h=7 m=49 s=17
